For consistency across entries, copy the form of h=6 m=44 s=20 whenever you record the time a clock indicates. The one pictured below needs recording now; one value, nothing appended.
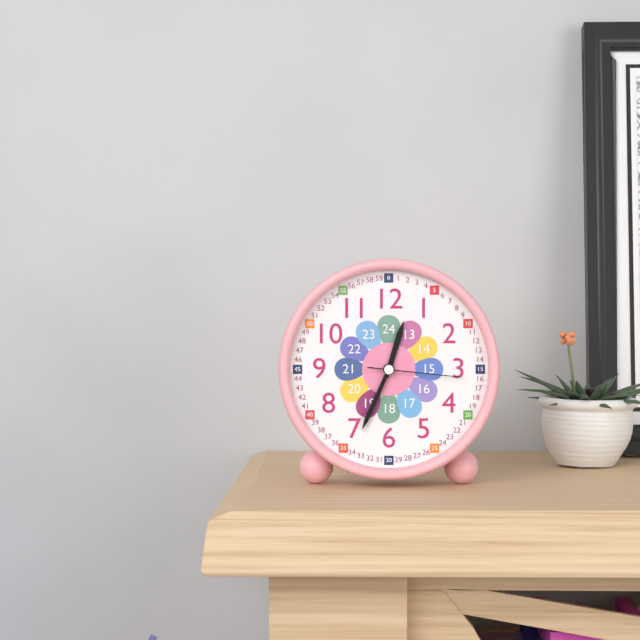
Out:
h=12 m=34 s=16
